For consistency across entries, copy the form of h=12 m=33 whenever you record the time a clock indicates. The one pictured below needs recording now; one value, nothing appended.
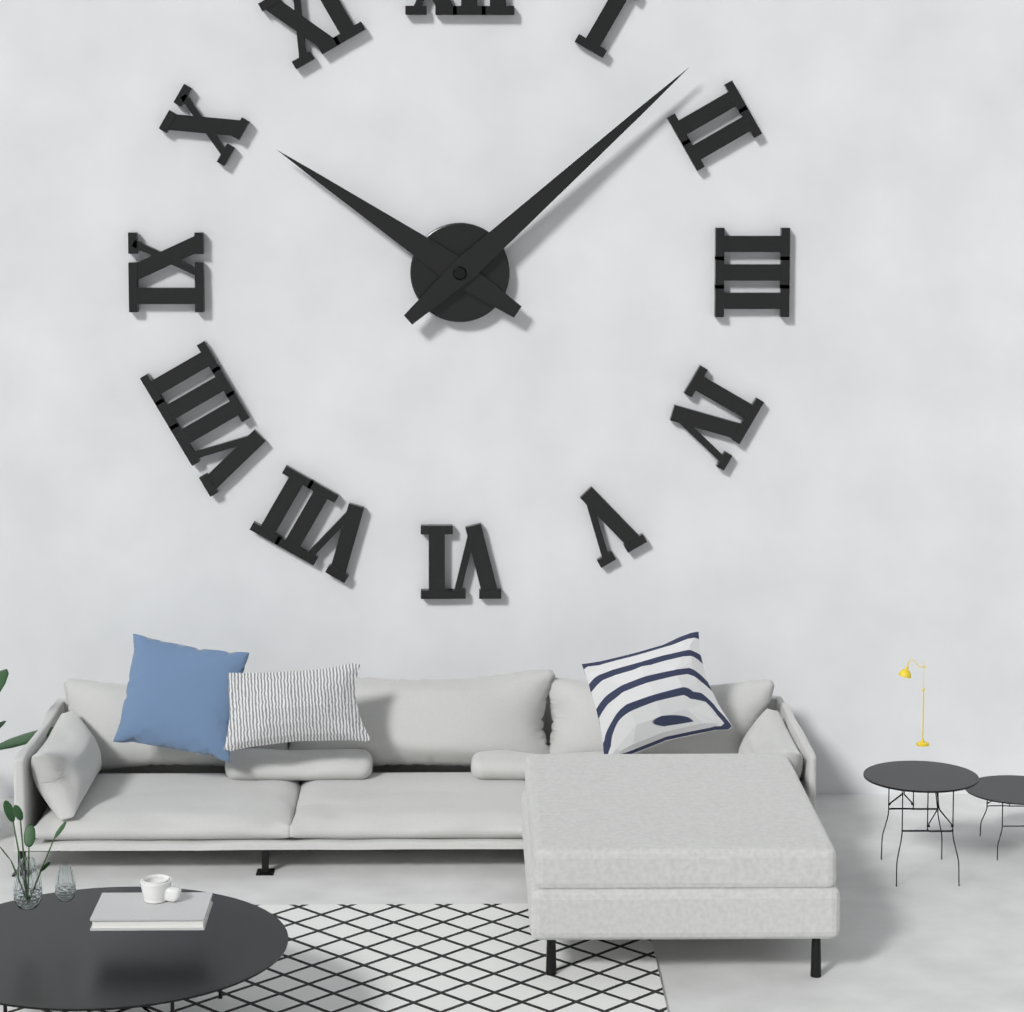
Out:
h=10 m=8
